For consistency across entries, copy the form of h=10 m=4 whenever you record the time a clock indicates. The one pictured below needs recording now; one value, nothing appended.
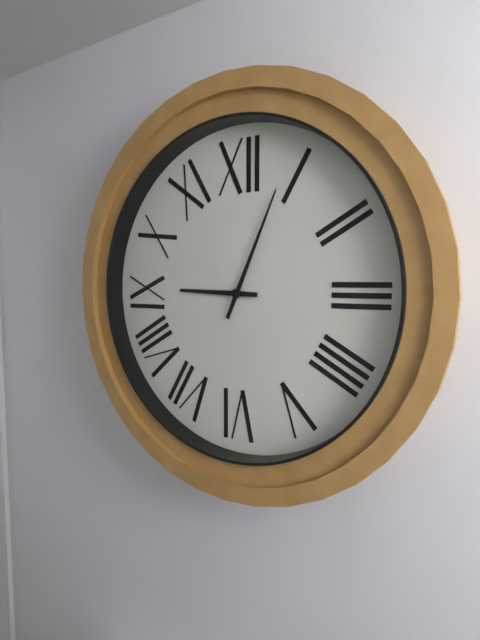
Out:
h=9 m=4
